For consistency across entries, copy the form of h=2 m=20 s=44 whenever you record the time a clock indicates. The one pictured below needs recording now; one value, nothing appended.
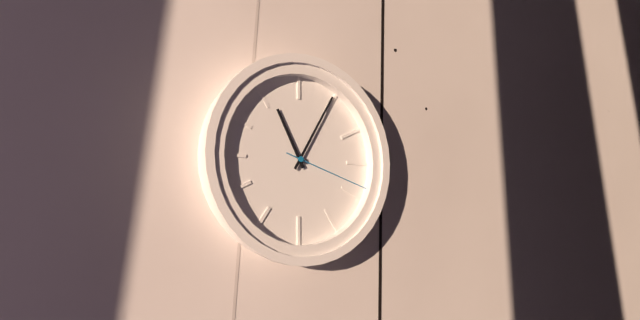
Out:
h=11 m=5 s=18
